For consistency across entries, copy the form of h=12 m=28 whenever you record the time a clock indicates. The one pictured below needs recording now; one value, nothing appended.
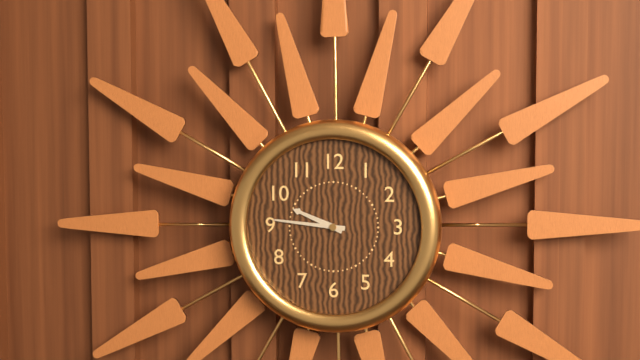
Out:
h=9 m=46
